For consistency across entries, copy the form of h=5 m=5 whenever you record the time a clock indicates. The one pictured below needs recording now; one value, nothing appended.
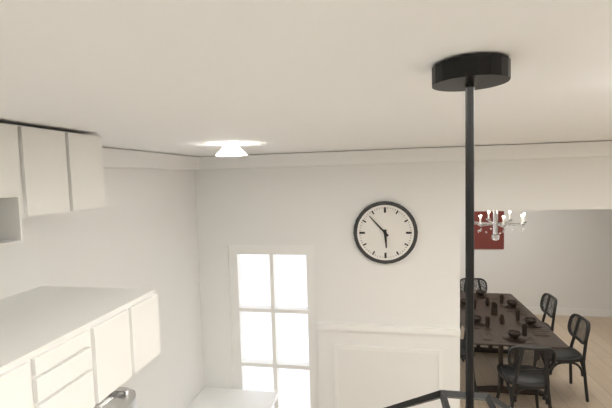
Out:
h=5 m=53
